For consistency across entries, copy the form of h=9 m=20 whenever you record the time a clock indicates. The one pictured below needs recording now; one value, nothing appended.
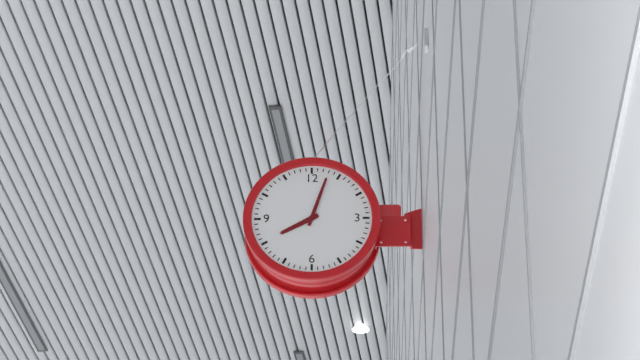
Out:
h=8 m=3
